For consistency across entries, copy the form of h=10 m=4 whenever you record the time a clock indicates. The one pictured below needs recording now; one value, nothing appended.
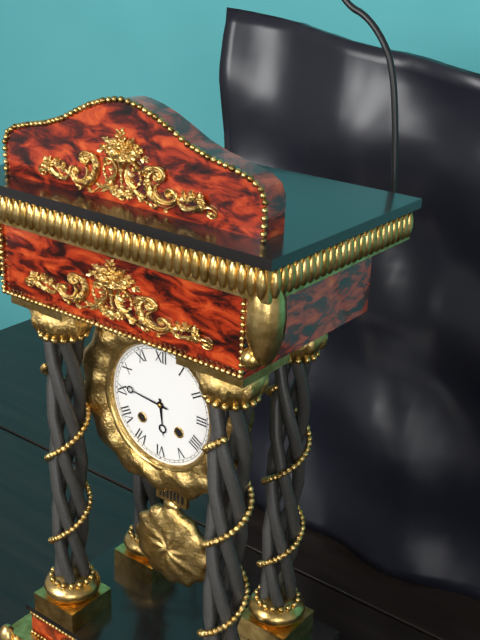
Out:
h=5 m=46
